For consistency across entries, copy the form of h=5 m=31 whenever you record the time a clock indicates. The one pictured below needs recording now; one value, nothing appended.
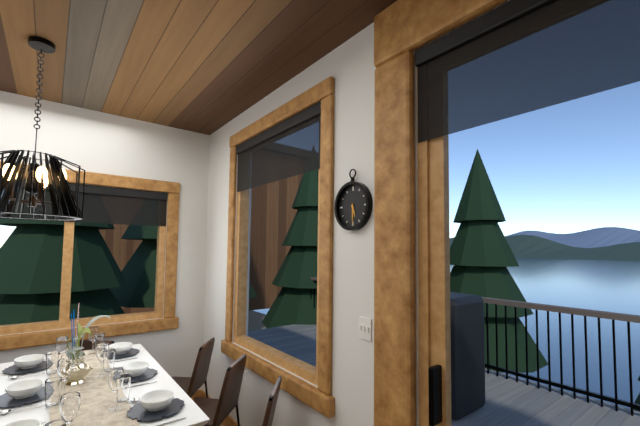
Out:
h=5 m=30
